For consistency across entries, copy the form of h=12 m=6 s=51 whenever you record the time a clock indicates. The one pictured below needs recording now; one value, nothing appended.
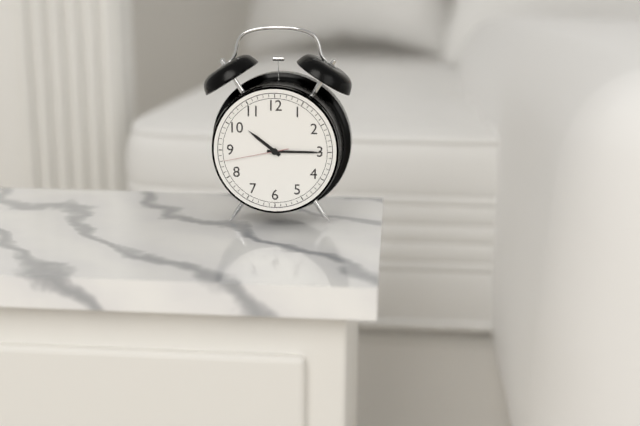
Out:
h=10 m=15 s=43
